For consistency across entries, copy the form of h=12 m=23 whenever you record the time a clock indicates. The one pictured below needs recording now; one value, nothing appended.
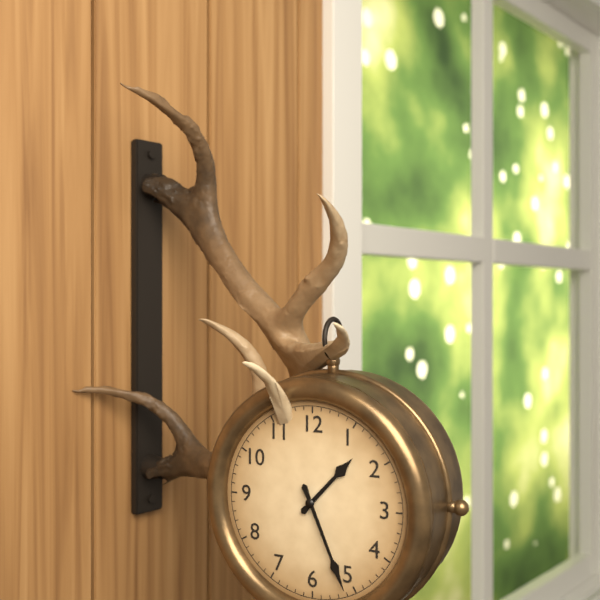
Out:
h=1 m=26
